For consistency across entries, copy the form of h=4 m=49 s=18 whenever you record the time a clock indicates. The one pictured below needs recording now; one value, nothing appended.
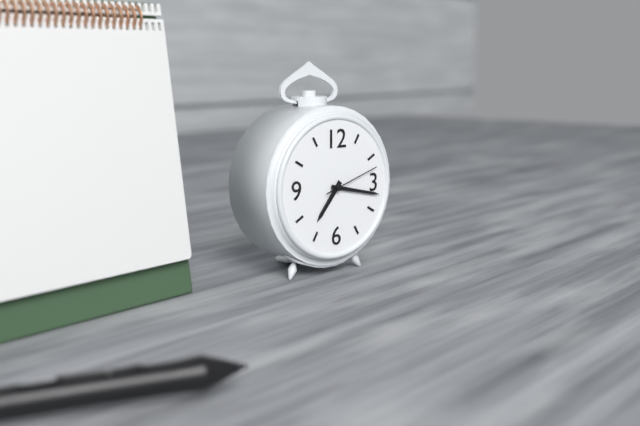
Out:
h=7 m=17 s=12
